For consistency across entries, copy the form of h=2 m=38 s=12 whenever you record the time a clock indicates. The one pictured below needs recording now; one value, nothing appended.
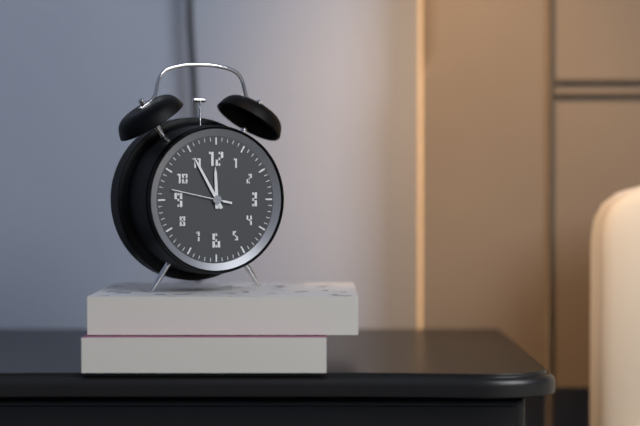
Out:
h=11 m=55 s=47
